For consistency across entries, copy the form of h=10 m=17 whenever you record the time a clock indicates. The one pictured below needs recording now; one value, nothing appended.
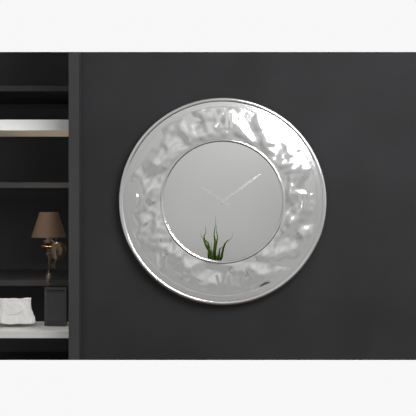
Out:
h=10 m=9
